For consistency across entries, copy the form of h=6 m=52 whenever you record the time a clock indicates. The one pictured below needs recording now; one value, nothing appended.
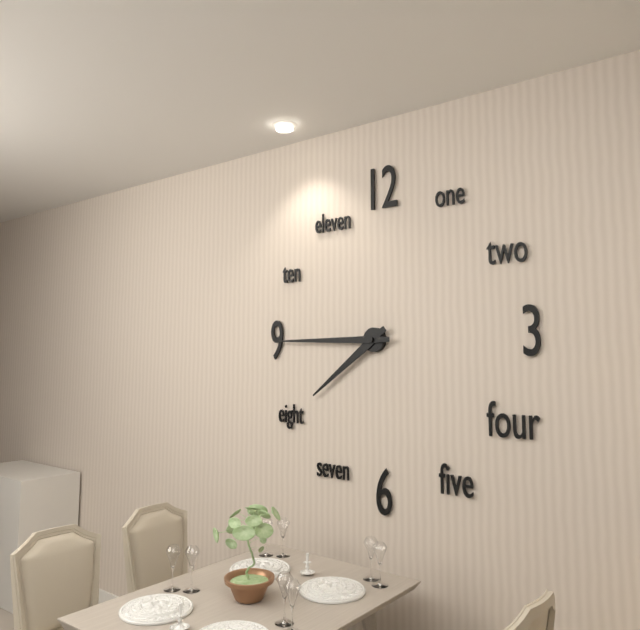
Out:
h=7 m=45
